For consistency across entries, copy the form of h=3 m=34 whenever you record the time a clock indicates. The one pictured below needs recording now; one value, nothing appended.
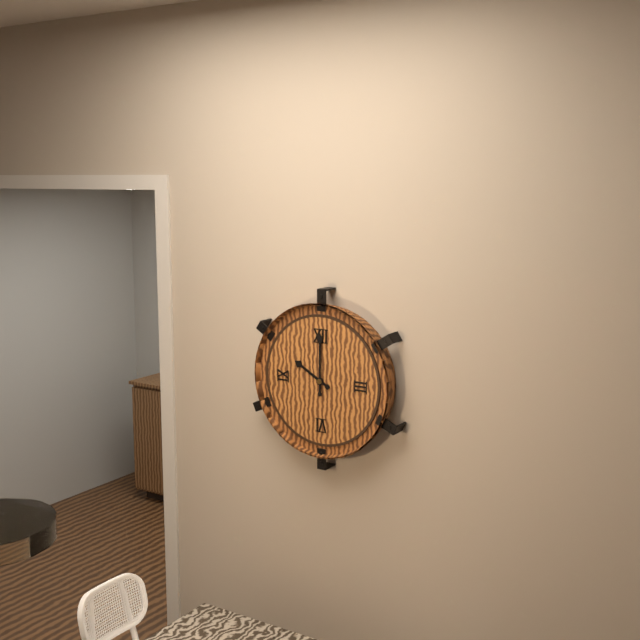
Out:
h=10 m=0
